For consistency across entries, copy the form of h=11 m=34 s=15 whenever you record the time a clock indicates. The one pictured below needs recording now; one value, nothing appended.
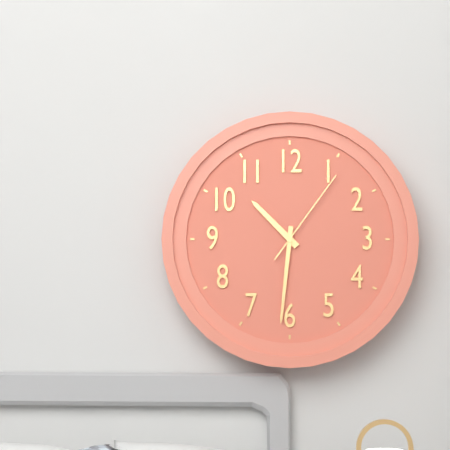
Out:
h=10 m=31 s=6
